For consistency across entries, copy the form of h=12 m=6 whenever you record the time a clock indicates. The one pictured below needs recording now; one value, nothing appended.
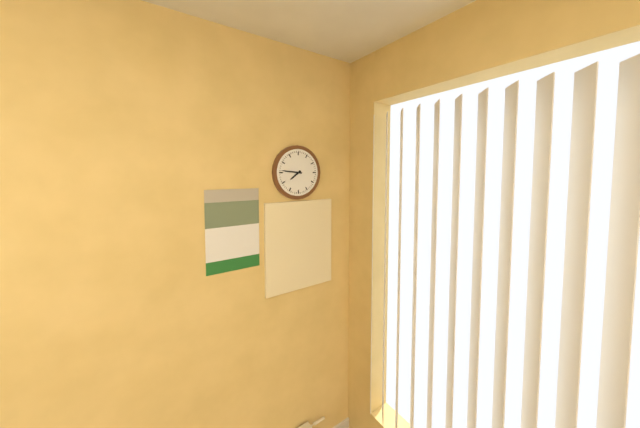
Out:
h=7 m=46
